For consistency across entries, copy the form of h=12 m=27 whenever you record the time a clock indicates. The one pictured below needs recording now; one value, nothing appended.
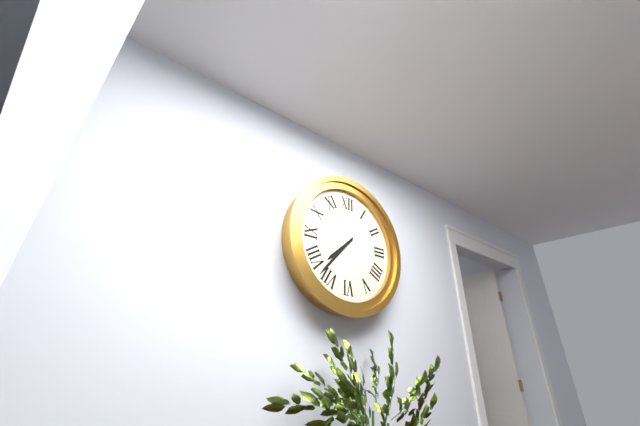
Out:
h=7 m=37
